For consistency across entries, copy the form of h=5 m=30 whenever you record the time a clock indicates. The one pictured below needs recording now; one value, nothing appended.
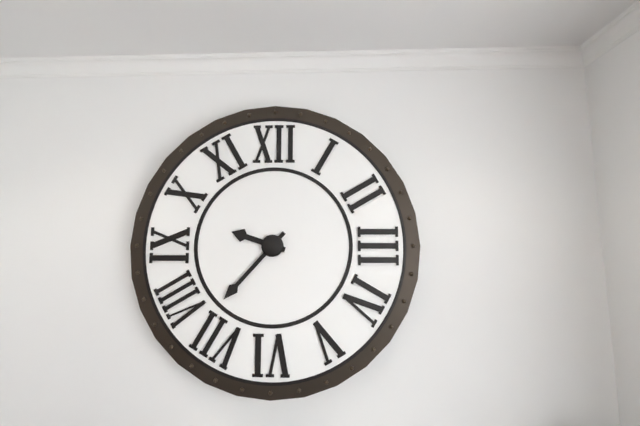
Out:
h=9 m=37
